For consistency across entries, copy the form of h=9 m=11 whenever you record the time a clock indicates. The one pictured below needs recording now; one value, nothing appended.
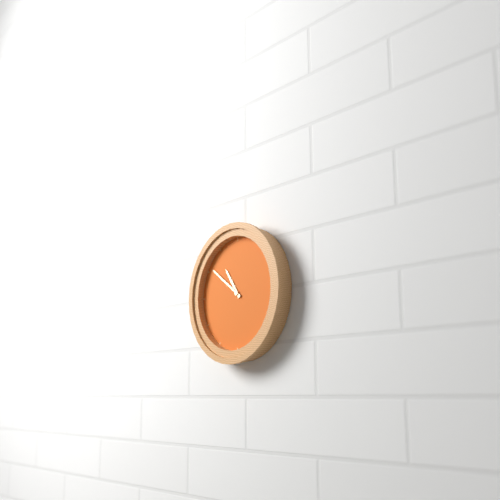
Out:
h=10 m=51
